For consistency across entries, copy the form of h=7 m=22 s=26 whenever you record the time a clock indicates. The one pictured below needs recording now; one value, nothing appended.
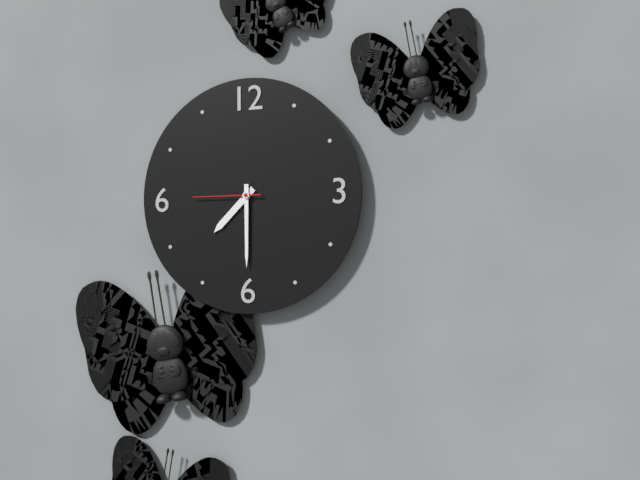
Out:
h=7 m=30 s=45
